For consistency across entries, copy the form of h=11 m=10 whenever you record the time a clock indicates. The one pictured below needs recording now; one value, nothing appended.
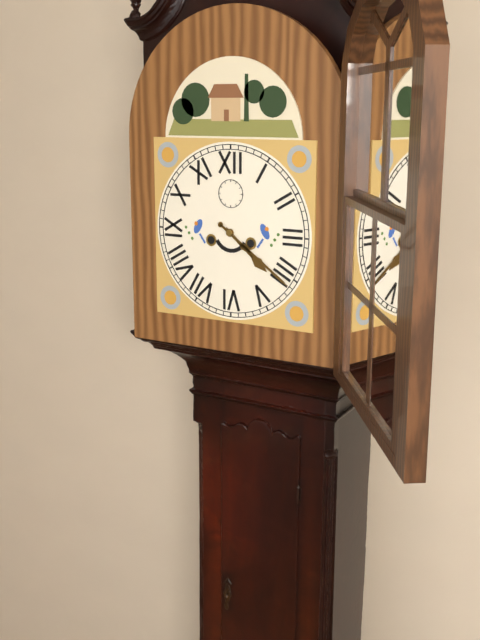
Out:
h=4 m=21
